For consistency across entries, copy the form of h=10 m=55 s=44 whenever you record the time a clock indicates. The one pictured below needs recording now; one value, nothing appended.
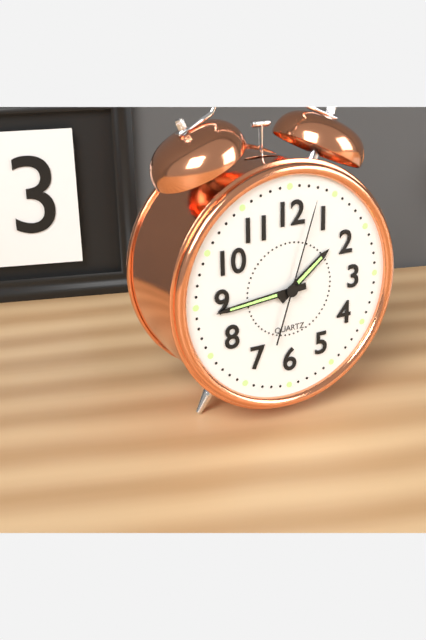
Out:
h=1 m=44 s=3
